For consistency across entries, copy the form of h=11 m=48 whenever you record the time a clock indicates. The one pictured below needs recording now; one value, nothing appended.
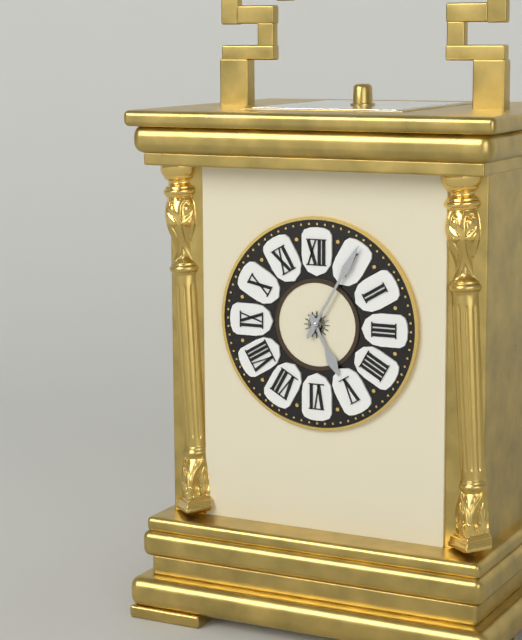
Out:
h=5 m=5
